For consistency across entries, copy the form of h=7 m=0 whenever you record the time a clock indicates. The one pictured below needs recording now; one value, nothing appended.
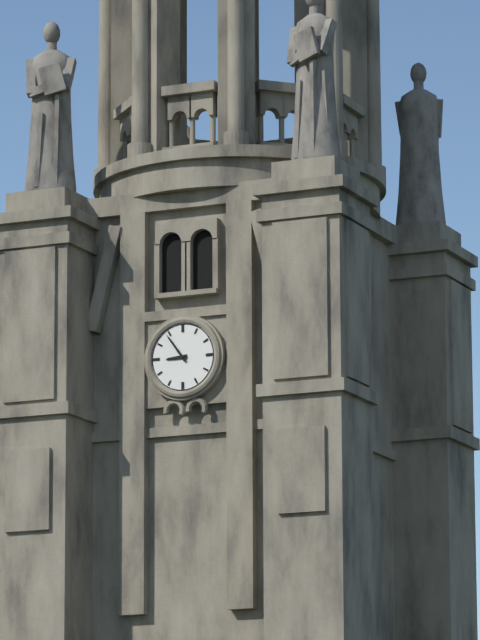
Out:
h=8 m=54
